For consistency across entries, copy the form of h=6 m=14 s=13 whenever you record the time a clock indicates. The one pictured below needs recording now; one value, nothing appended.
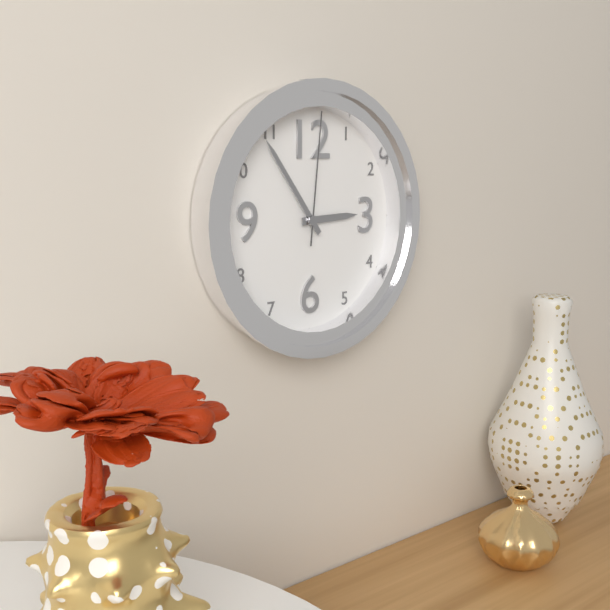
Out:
h=2 m=54 s=1
